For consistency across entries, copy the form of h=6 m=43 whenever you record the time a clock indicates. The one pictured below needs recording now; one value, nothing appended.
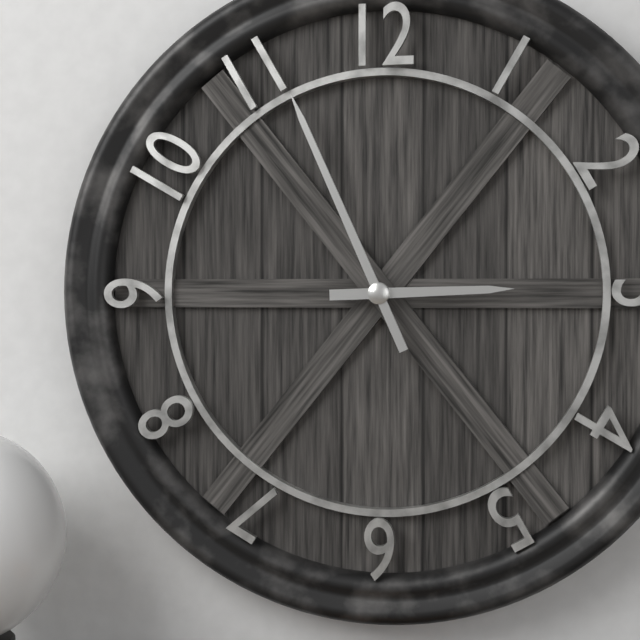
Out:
h=2 m=56
